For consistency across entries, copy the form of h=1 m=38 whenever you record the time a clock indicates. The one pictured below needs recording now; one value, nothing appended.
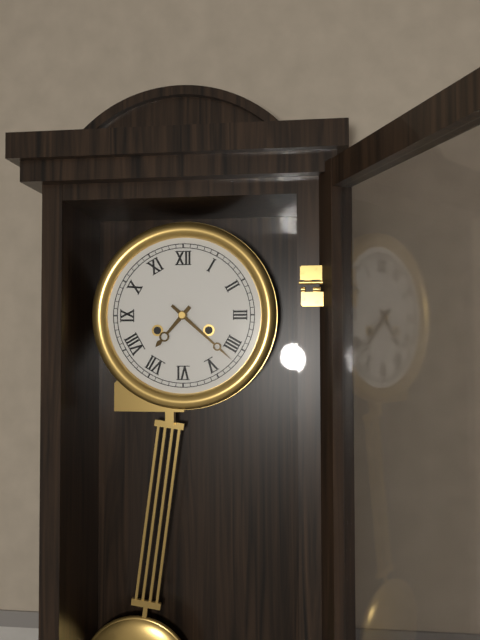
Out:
h=7 m=22
